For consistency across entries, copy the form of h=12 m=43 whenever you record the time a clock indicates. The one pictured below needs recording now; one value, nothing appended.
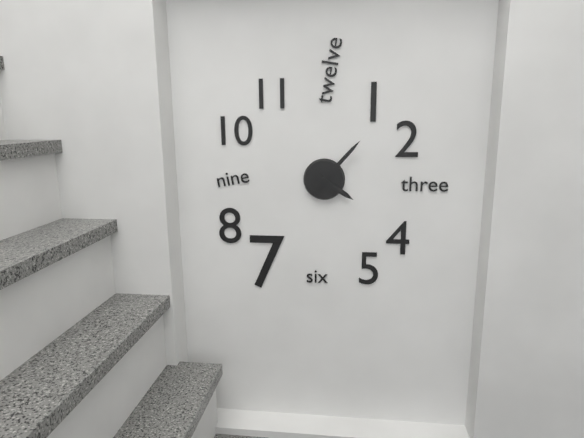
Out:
h=4 m=7
